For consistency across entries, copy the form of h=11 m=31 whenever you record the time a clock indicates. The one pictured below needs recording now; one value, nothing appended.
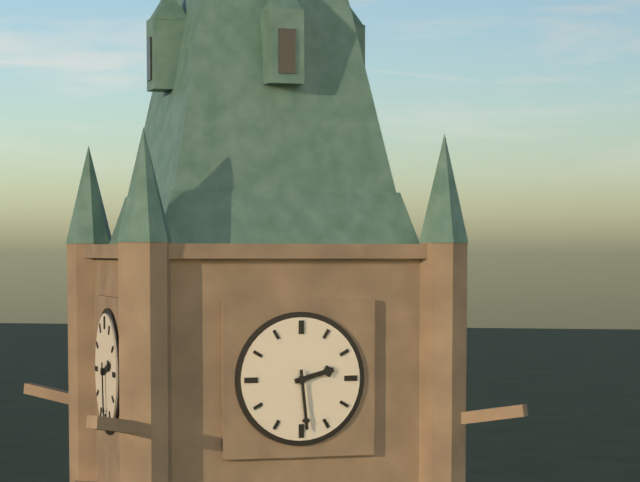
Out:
h=2 m=29
